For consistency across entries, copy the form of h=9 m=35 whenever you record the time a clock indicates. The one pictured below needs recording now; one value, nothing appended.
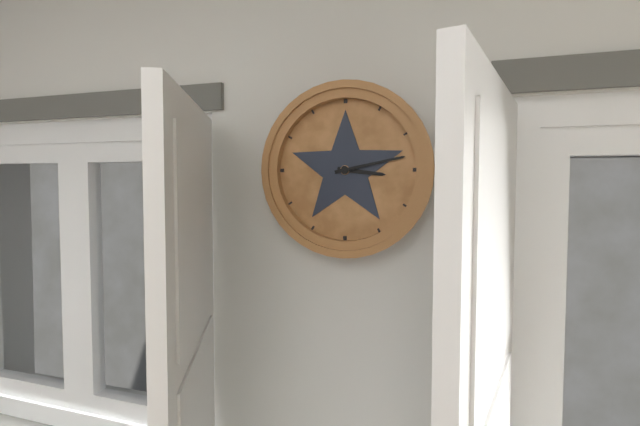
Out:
h=3 m=13
